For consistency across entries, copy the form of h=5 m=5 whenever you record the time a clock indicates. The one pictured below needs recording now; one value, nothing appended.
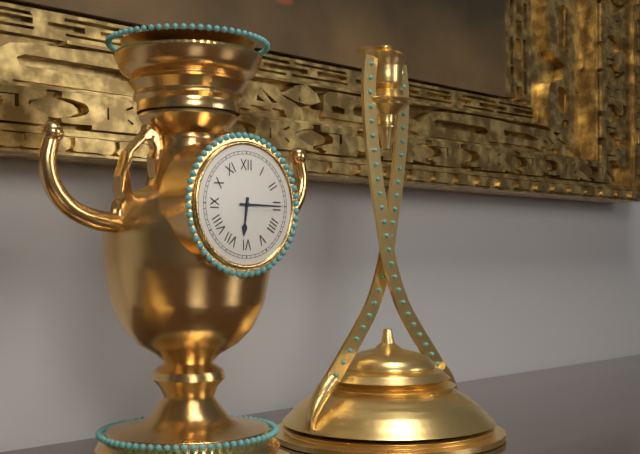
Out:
h=6 m=15
